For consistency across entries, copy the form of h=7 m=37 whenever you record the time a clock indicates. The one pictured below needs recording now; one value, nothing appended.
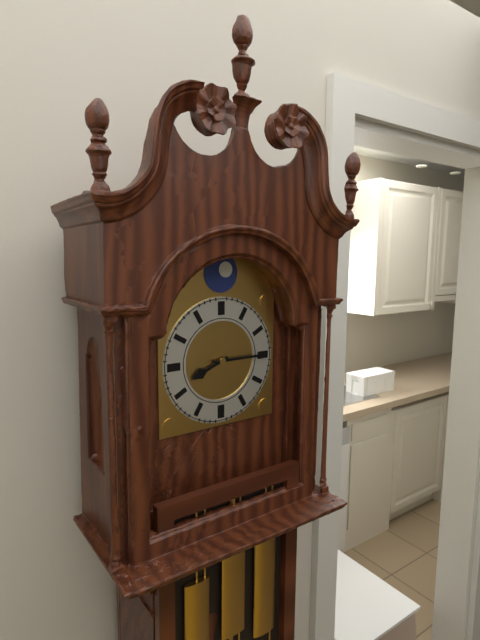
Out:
h=8 m=15
